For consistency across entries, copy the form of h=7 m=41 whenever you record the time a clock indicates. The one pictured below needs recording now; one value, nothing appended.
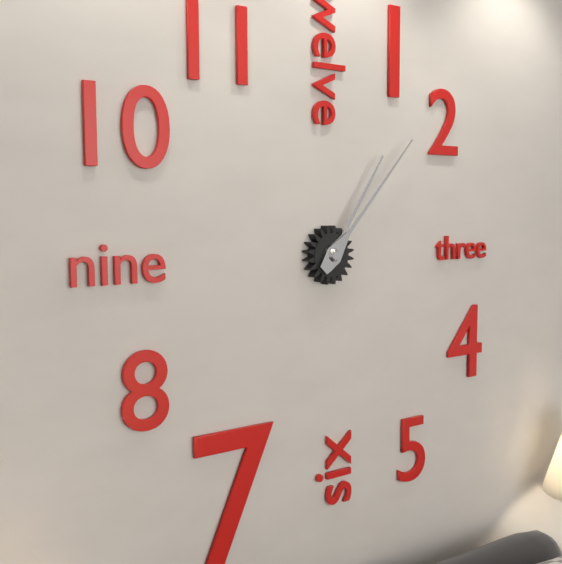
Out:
h=1 m=7
